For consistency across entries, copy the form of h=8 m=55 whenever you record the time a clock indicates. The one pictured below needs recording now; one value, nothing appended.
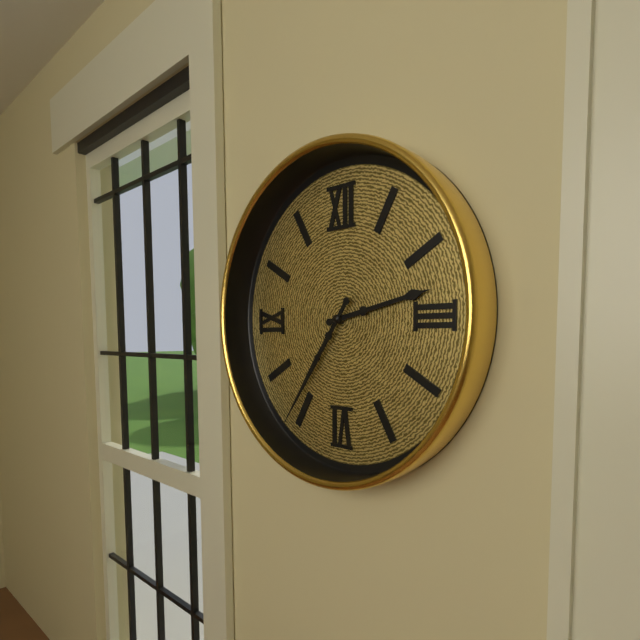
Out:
h=2 m=36
